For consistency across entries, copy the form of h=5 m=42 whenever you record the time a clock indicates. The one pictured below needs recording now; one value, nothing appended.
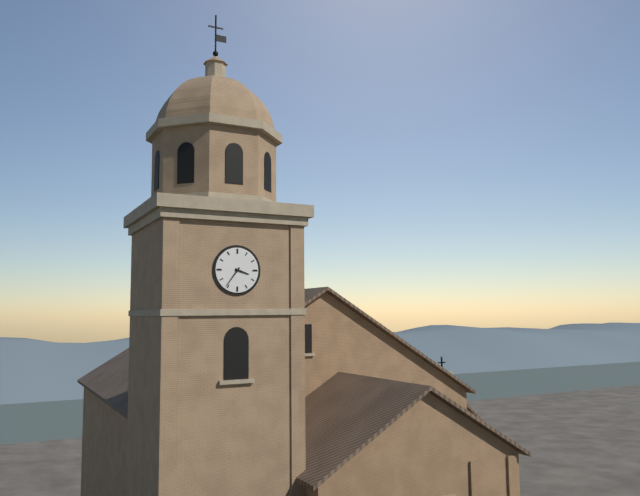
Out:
h=3 m=36
